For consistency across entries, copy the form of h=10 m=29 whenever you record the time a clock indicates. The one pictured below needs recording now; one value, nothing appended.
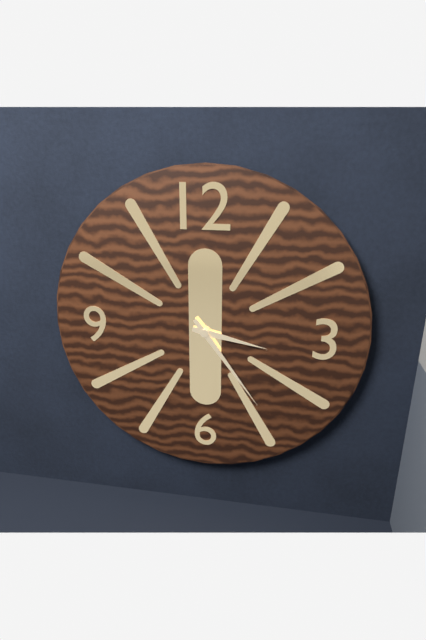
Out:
h=3 m=24
